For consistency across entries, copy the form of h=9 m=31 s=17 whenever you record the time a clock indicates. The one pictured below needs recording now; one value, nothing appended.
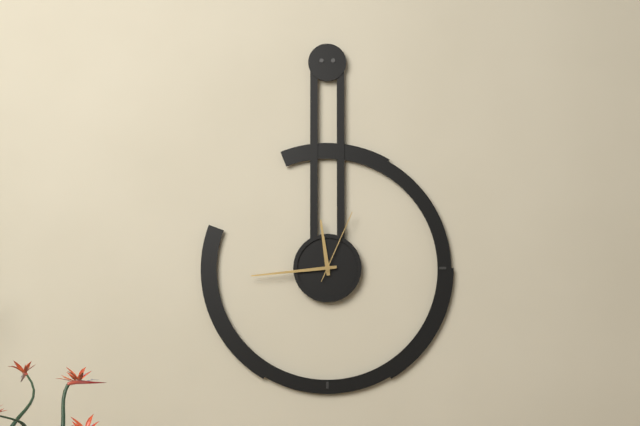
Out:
h=11 m=44 s=4
